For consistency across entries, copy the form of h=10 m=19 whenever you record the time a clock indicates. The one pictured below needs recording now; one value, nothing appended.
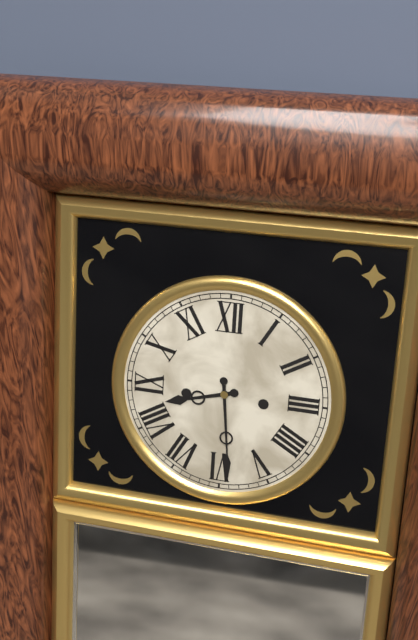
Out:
h=8 m=29
